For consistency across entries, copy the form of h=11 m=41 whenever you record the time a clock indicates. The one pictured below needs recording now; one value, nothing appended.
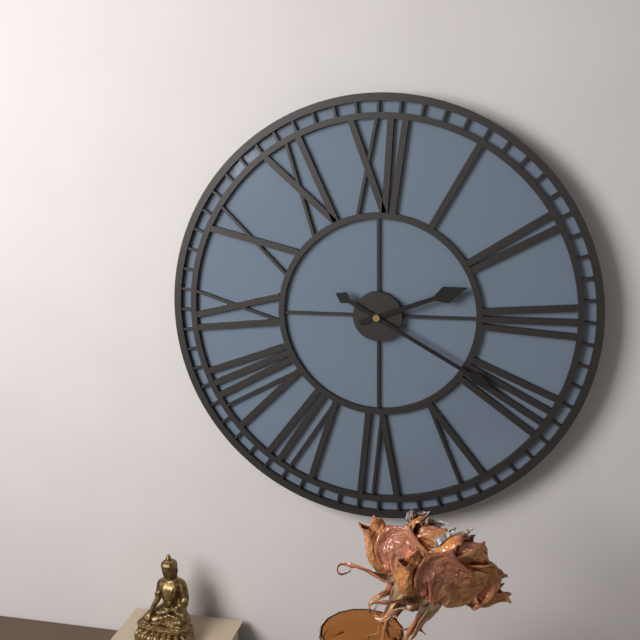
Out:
h=2 m=20
